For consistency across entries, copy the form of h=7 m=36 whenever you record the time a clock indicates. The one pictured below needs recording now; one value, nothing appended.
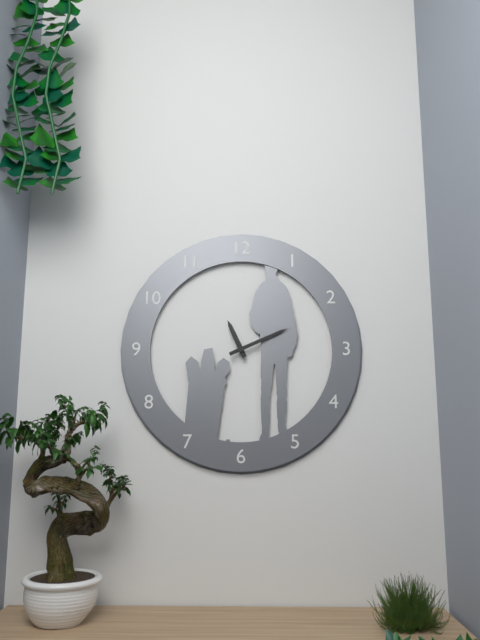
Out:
h=11 m=11
